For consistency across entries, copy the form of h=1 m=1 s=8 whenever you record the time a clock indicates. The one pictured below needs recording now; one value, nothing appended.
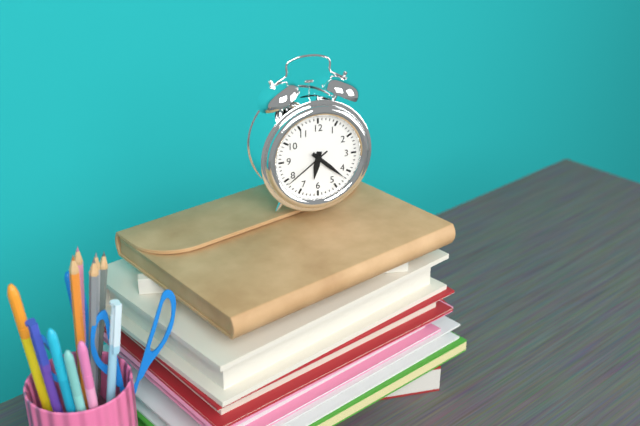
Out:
h=6 m=22 s=39
